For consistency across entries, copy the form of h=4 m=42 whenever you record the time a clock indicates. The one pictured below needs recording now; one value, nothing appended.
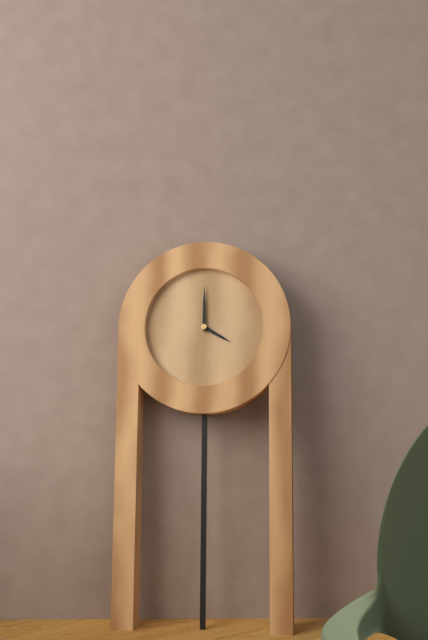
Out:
h=4 m=0
